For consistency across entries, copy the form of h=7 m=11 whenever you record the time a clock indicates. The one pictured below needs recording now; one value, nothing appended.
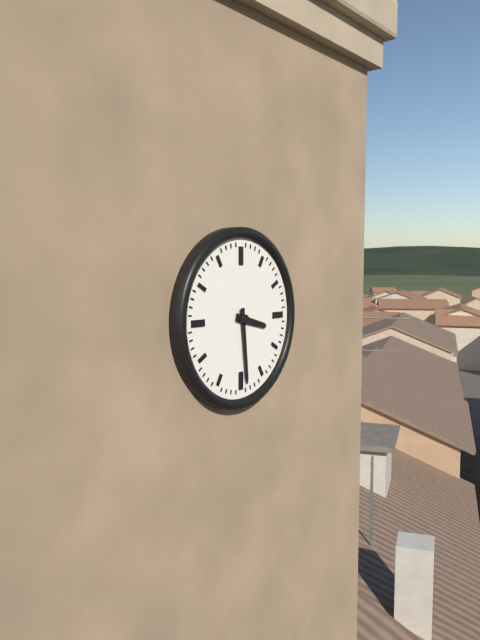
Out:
h=3 m=29
